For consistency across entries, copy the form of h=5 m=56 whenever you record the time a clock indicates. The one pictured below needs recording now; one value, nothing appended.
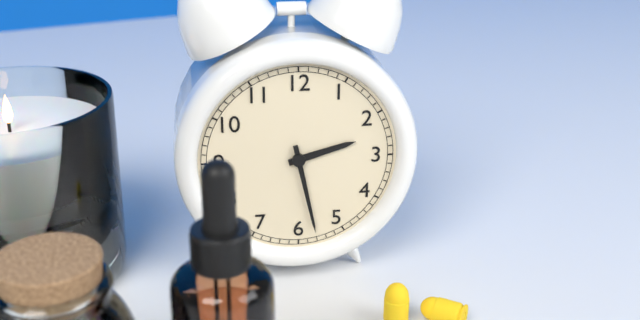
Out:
h=2 m=28
